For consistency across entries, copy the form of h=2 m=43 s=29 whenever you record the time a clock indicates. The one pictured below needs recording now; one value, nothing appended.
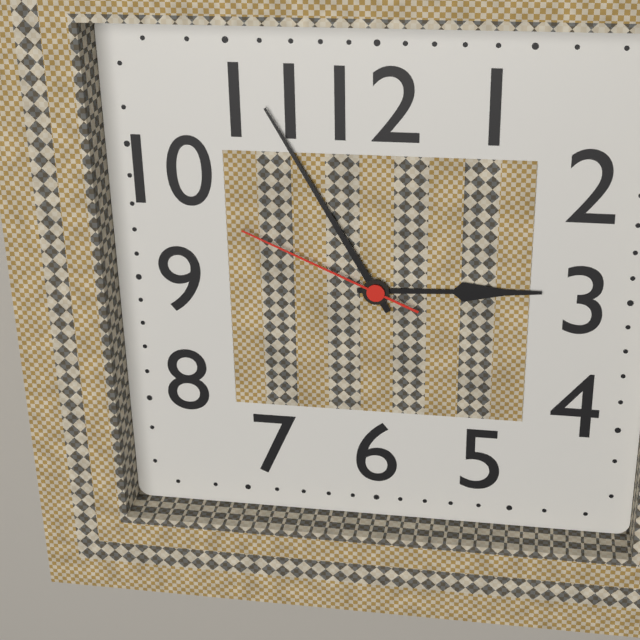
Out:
h=2 m=55 s=49
